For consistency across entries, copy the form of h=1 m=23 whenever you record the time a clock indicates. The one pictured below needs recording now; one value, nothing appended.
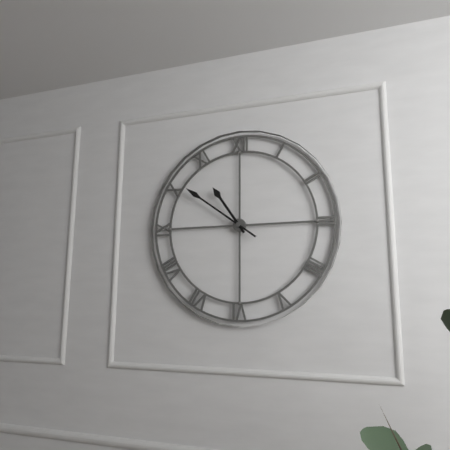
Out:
h=10 m=51
